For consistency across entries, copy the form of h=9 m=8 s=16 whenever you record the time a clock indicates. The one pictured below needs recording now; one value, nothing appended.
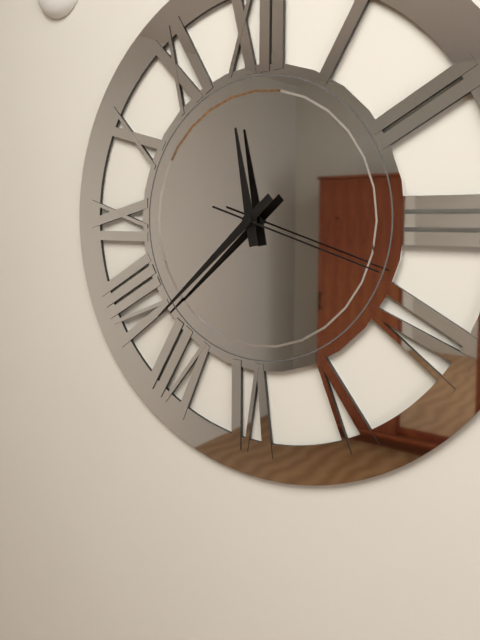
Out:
h=11 m=38 s=18
